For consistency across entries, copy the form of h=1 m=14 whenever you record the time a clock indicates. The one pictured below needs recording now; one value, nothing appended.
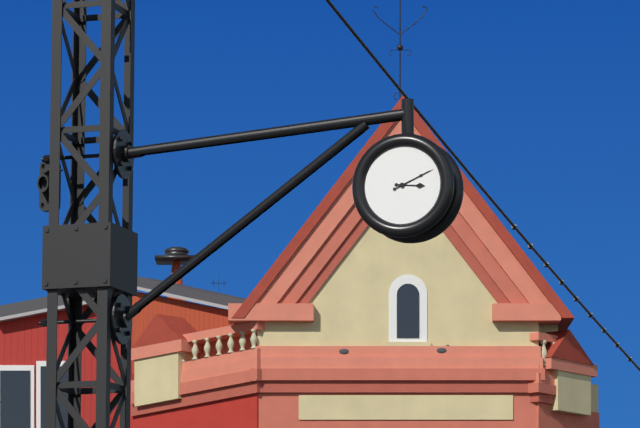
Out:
h=3 m=11
